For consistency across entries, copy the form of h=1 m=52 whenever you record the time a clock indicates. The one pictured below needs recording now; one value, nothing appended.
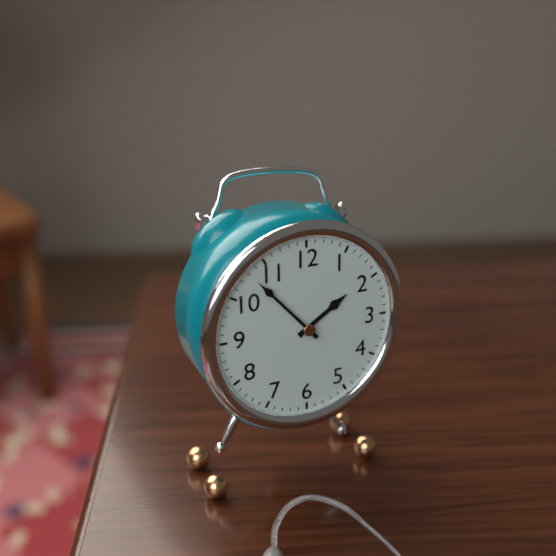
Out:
h=1 m=53
